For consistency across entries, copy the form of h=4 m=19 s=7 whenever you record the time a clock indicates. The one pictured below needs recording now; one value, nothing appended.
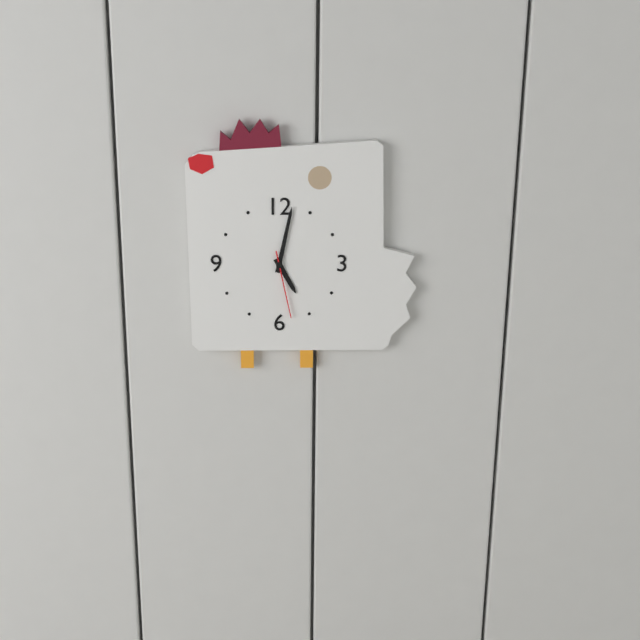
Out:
h=5 m=2 s=28
